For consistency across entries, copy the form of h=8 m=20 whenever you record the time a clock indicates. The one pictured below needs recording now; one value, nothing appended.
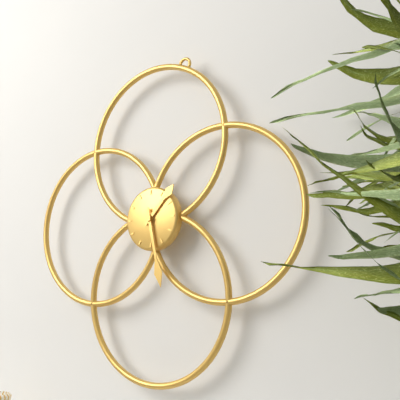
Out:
h=1 m=28
